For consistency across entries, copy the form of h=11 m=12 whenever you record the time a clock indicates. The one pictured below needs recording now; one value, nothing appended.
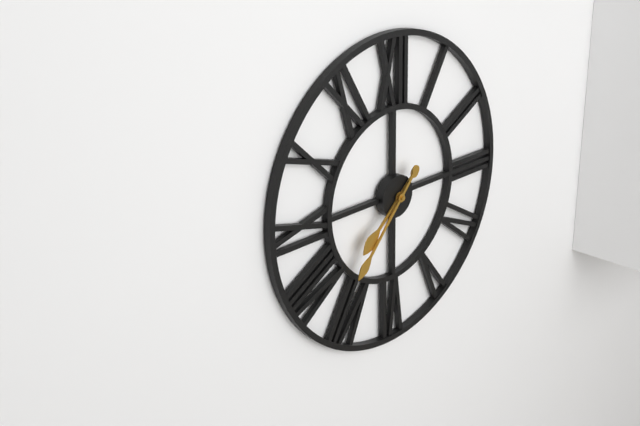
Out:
h=7 m=37
